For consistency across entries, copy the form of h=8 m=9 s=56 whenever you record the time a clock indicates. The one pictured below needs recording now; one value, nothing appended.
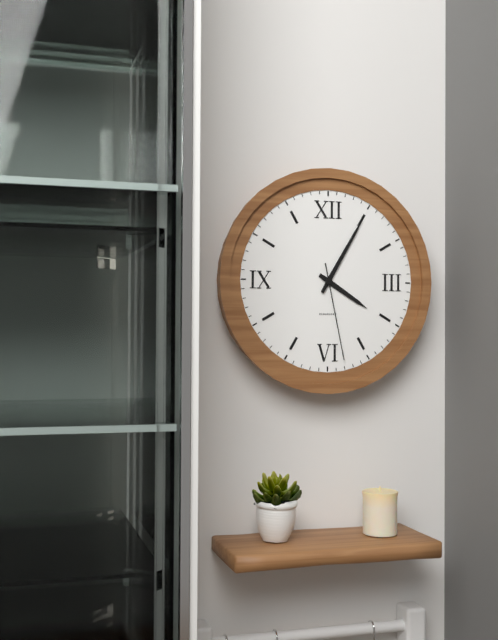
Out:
h=4 m=5 s=28
